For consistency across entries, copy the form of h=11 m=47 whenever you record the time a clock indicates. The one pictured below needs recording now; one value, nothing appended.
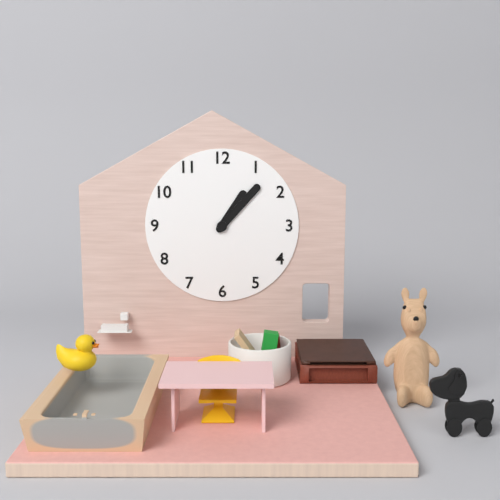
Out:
h=1 m=7
